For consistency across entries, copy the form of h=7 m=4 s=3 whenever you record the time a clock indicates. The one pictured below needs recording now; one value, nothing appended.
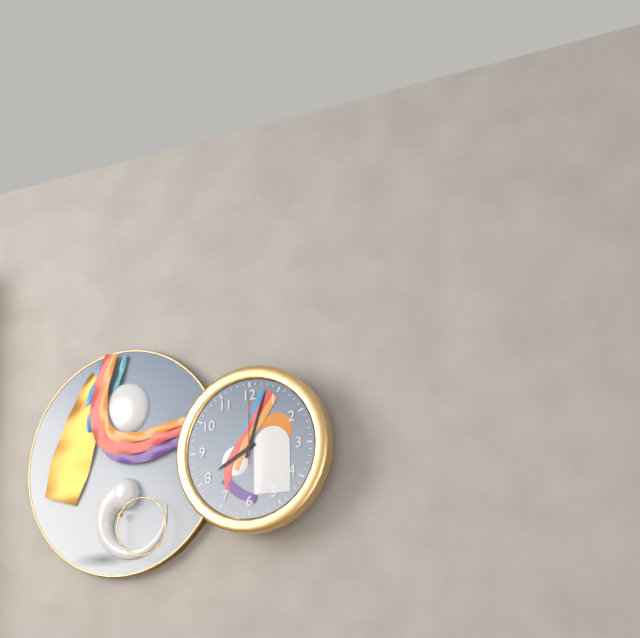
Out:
h=8 m=3 s=0
